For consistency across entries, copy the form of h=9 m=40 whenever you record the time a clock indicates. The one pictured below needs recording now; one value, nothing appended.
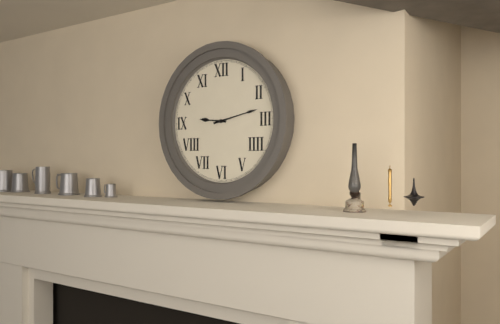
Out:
h=9 m=13
